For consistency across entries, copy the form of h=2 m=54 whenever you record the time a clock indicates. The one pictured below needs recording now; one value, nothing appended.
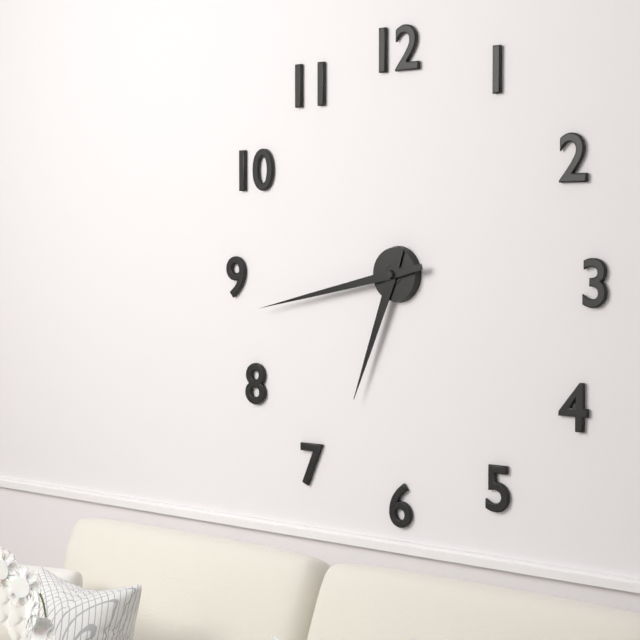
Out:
h=6 m=43
